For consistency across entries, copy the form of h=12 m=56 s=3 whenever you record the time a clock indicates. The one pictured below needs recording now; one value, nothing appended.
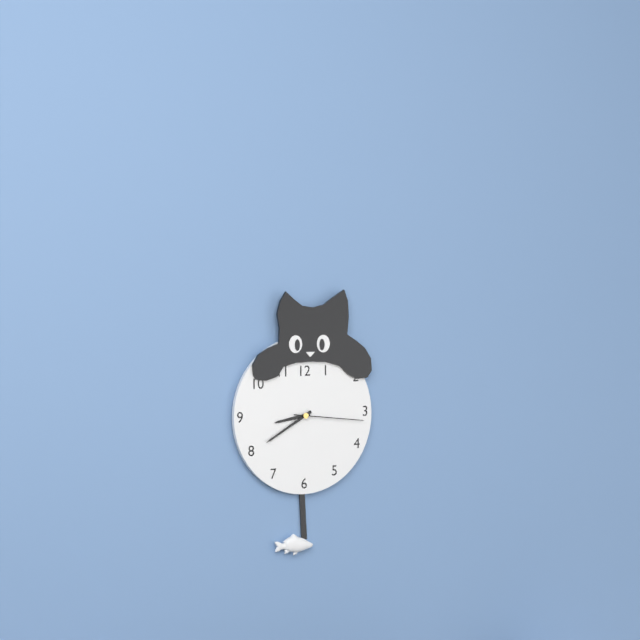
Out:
h=8 m=40 s=16
